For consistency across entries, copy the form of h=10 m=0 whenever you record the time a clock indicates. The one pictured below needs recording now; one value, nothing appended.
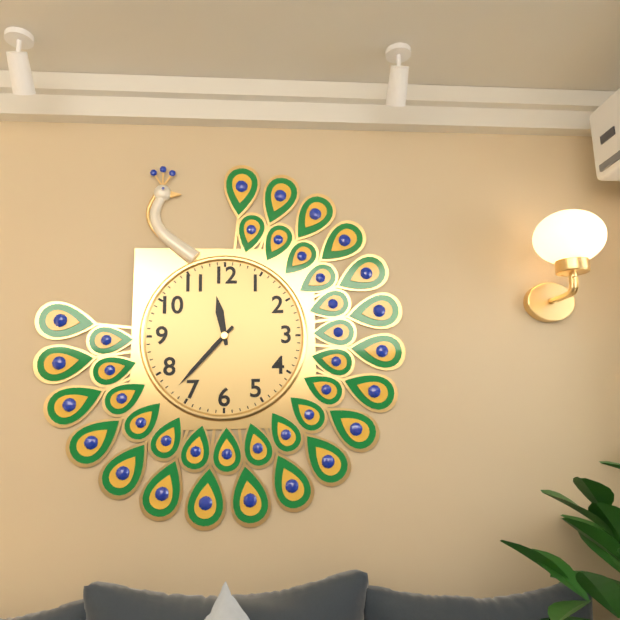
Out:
h=11 m=37
